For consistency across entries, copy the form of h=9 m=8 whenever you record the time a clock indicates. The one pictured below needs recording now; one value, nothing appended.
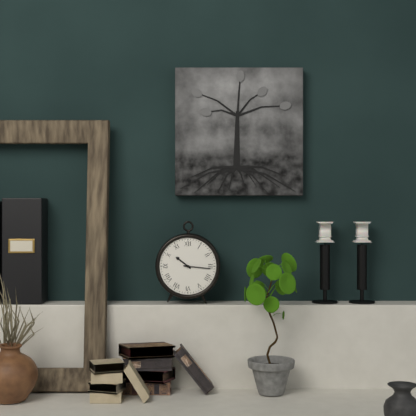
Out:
h=10 m=16
